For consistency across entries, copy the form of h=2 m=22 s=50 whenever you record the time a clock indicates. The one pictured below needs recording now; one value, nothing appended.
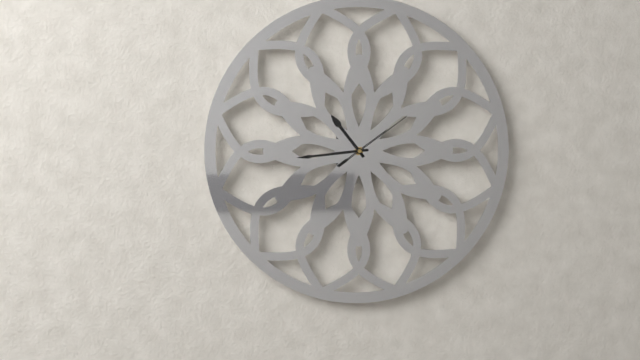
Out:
h=10 m=44 s=9
